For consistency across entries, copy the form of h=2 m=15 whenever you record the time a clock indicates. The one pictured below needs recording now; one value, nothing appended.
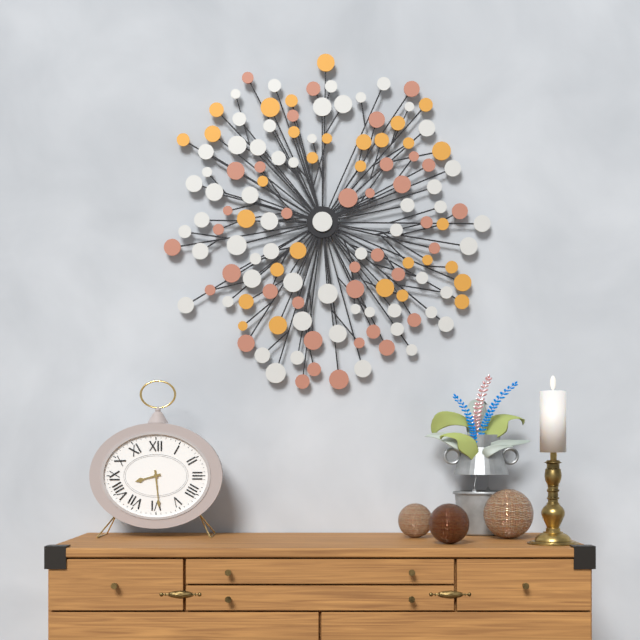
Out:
h=8 m=29
